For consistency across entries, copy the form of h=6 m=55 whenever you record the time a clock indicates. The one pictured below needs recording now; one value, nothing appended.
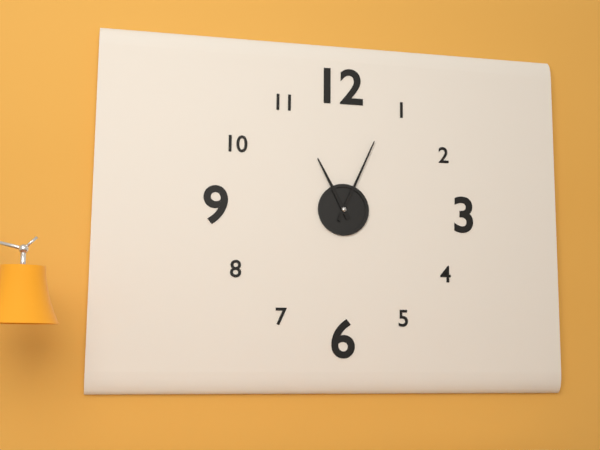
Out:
h=11 m=4
